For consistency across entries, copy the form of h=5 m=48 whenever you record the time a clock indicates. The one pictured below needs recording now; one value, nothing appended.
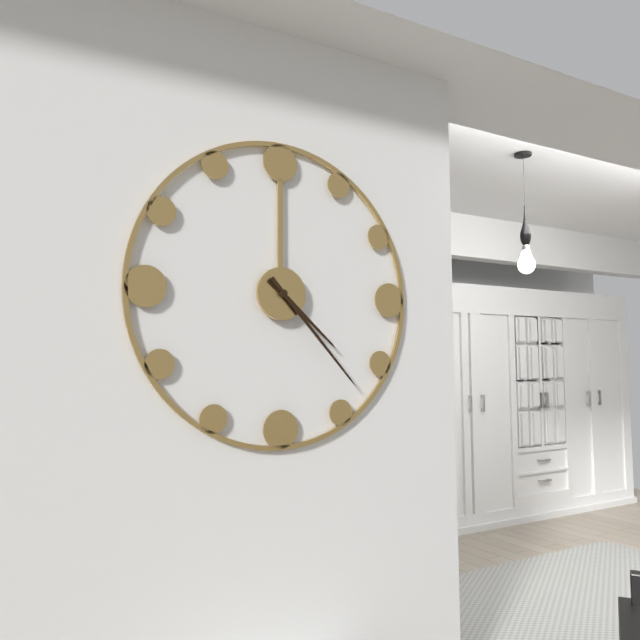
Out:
h=4 m=23
